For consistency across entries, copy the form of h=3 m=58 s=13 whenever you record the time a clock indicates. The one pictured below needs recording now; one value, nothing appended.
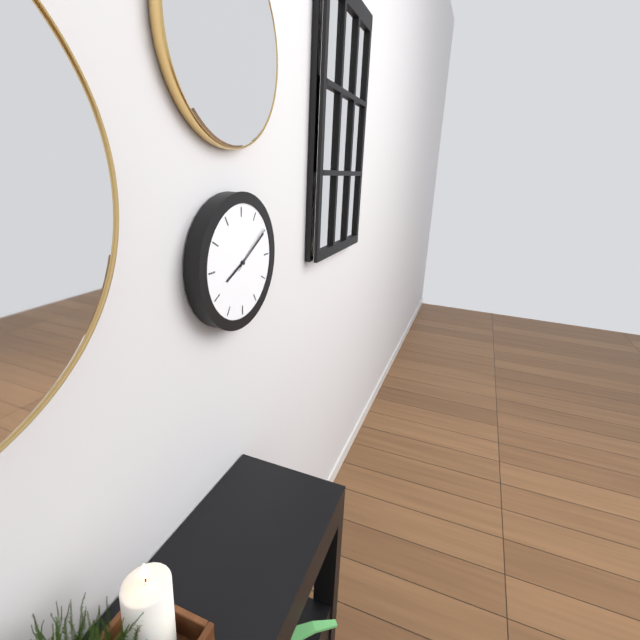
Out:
h=8 m=10 s=9
